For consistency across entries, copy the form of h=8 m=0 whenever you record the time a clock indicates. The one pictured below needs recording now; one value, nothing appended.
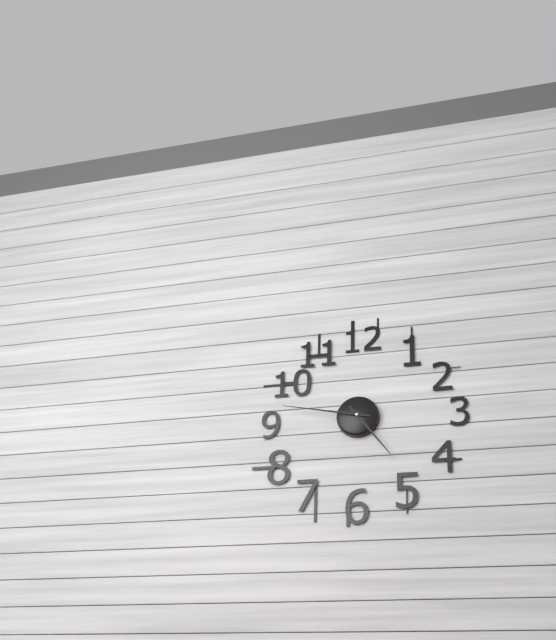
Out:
h=4 m=47
